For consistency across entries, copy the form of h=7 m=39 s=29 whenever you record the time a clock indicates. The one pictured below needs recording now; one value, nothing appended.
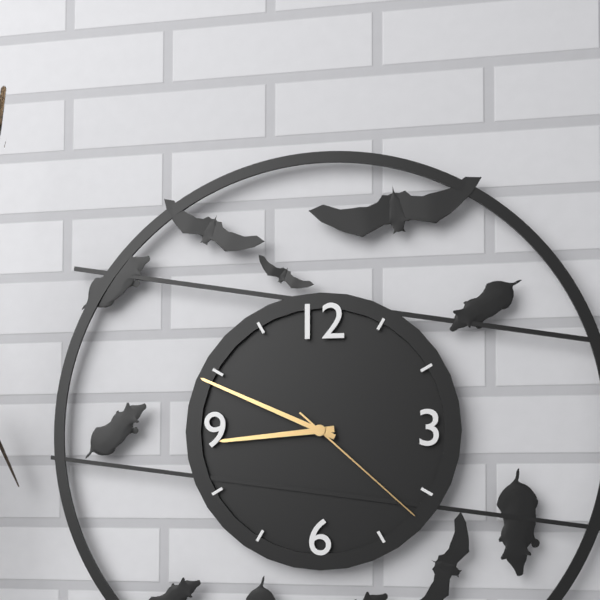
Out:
h=8 m=49 s=22
